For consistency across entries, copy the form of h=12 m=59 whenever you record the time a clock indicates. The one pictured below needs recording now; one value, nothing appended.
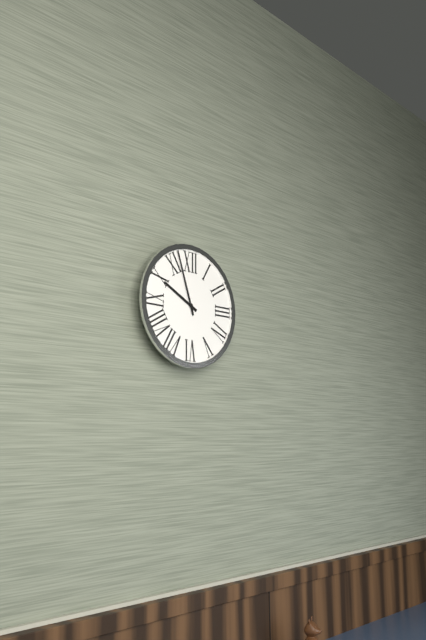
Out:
h=9 m=57
